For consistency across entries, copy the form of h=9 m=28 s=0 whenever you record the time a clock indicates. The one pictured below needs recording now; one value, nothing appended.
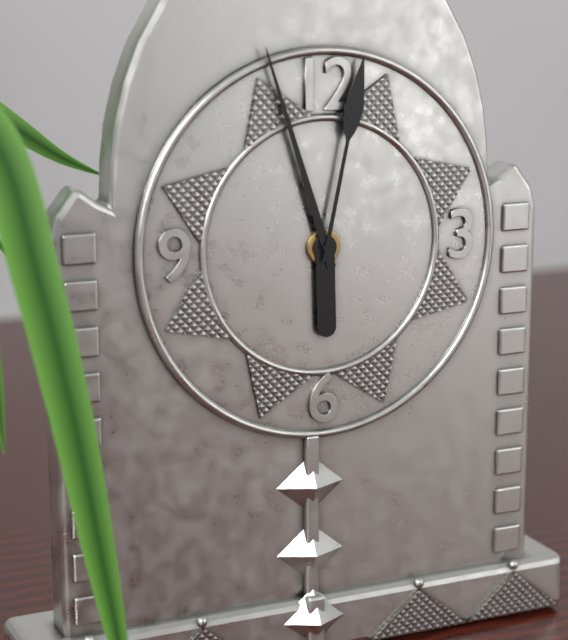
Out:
h=5 m=57 s=2
